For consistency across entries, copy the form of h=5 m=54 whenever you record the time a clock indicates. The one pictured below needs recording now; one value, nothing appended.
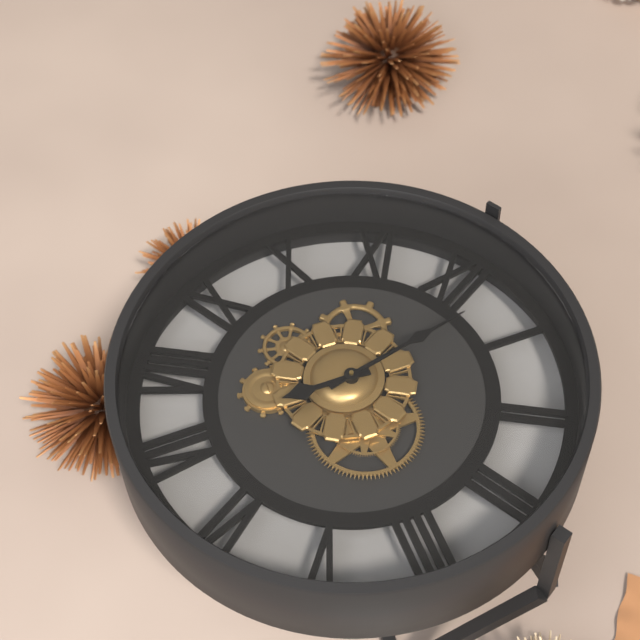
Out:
h=7 m=3
